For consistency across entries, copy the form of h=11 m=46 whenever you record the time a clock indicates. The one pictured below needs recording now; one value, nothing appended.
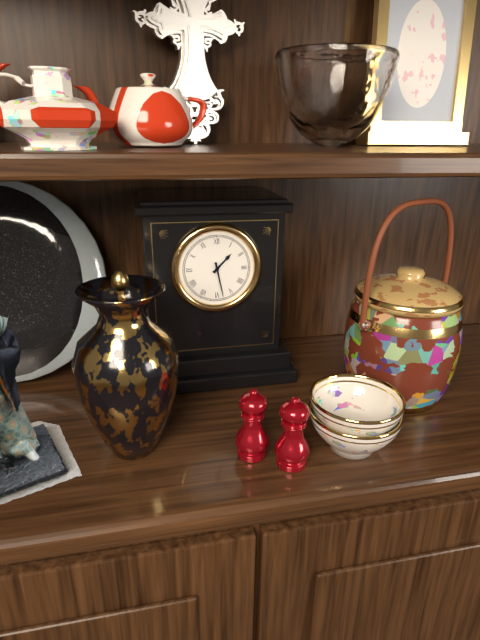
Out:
h=1 m=28
